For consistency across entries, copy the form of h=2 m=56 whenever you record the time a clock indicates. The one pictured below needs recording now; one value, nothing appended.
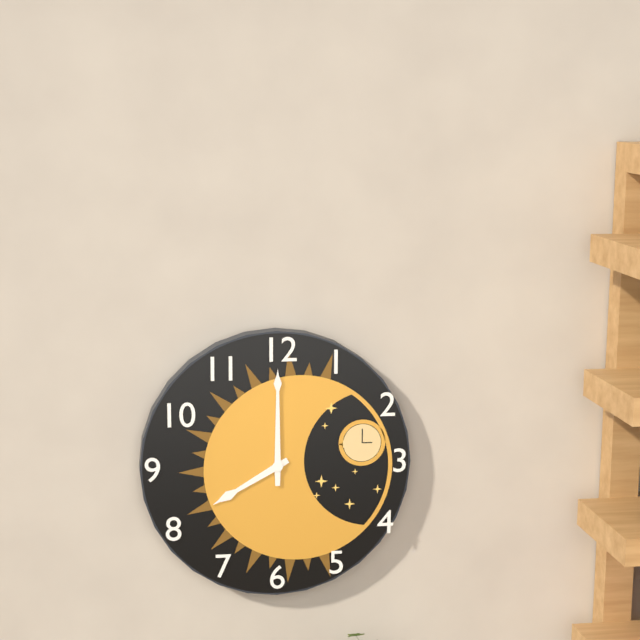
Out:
h=8 m=0
